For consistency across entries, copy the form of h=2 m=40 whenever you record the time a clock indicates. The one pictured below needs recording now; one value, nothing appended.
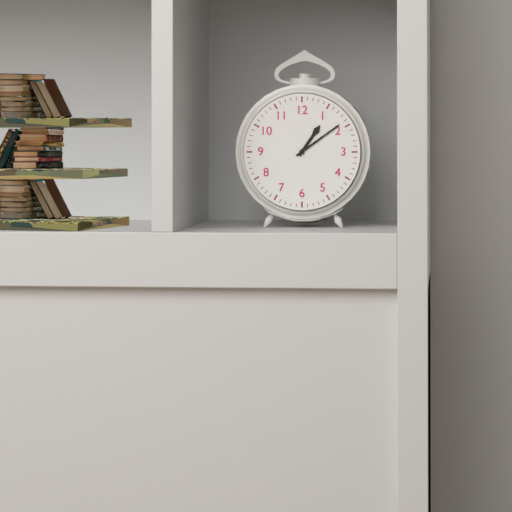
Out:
h=1 m=9
